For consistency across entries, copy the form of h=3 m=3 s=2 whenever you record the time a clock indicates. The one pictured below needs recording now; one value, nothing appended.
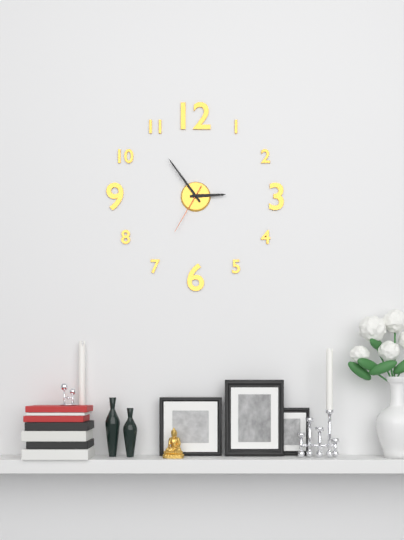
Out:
h=2 m=54 s=35
